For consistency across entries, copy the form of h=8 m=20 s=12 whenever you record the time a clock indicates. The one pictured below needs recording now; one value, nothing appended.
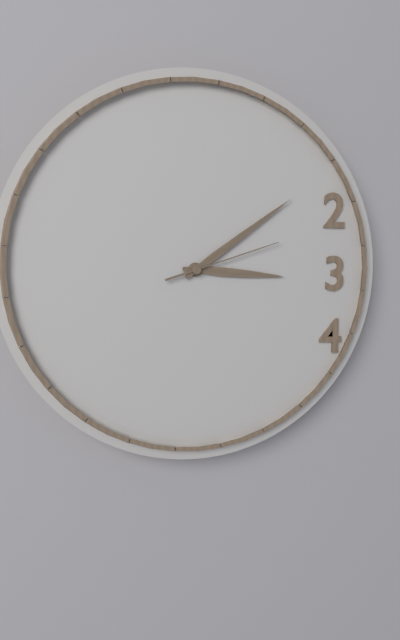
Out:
h=3 m=9 s=12
